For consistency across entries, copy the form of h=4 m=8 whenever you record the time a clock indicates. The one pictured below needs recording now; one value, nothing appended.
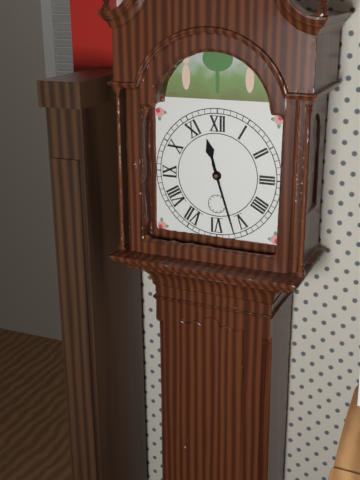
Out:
h=11 m=27
